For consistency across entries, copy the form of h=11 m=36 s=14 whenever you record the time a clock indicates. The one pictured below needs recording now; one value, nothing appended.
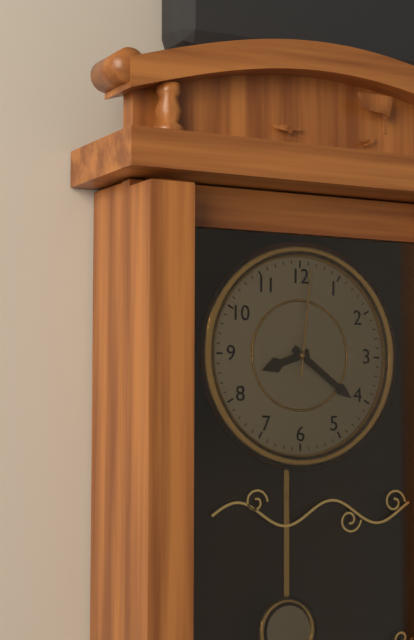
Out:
h=8 m=21 s=1
